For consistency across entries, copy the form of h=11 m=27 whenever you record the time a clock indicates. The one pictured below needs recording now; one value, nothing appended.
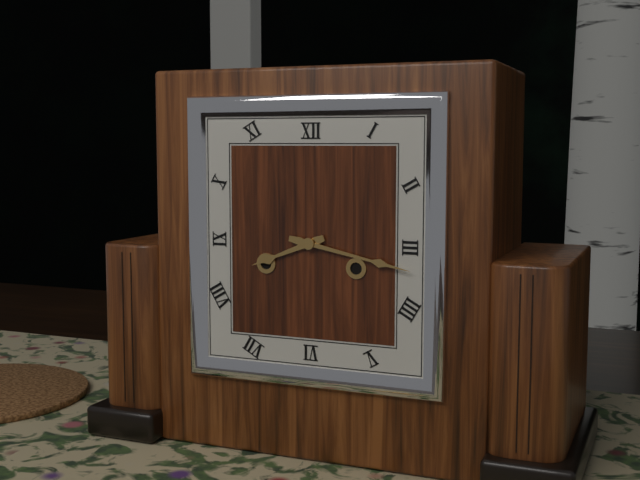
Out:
h=8 m=17
